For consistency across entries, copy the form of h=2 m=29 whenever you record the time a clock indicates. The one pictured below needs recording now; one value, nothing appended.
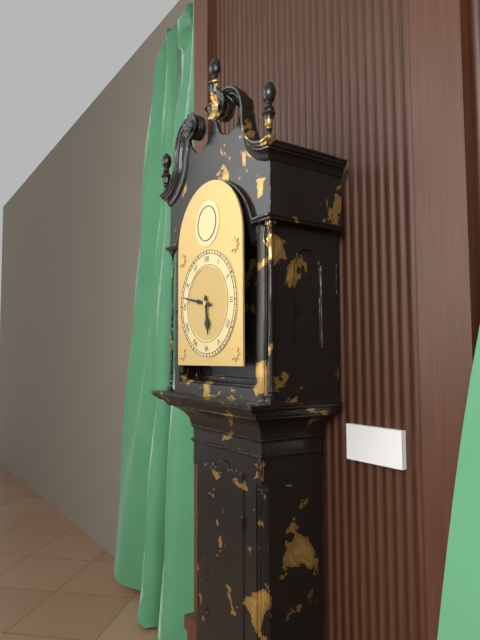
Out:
h=5 m=47
